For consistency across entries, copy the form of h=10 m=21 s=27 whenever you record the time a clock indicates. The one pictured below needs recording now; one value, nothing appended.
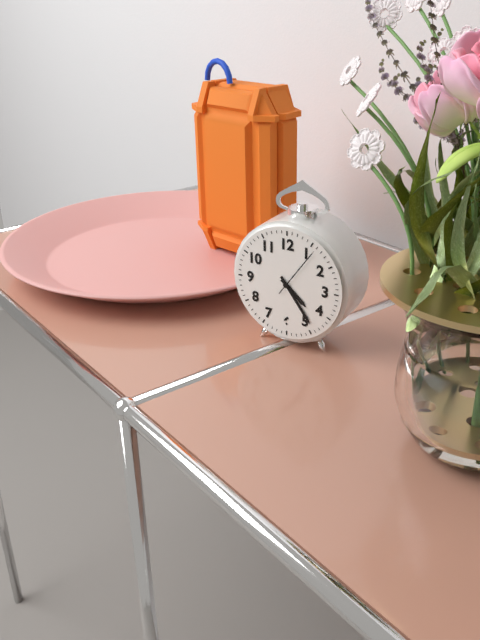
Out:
h=4 m=24 s=6
